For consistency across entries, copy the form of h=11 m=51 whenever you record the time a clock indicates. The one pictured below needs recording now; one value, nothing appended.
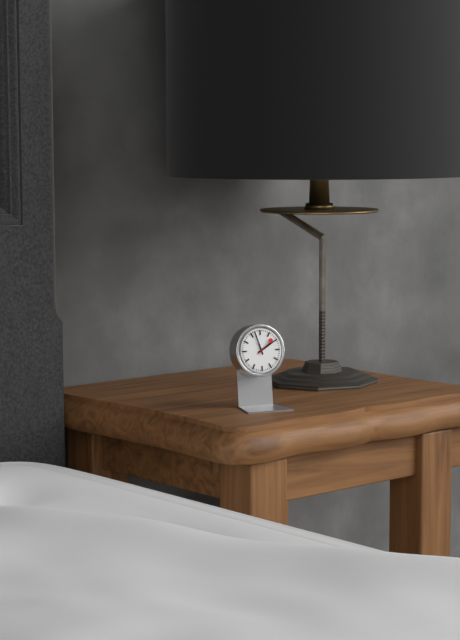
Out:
h=1 m=57
